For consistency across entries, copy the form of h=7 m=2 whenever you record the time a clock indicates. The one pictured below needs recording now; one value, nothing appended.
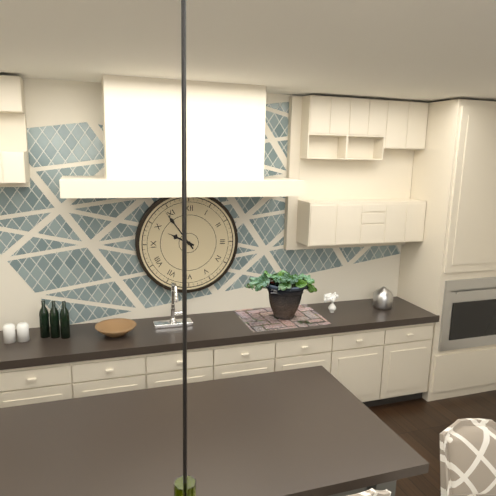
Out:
h=9 m=54
